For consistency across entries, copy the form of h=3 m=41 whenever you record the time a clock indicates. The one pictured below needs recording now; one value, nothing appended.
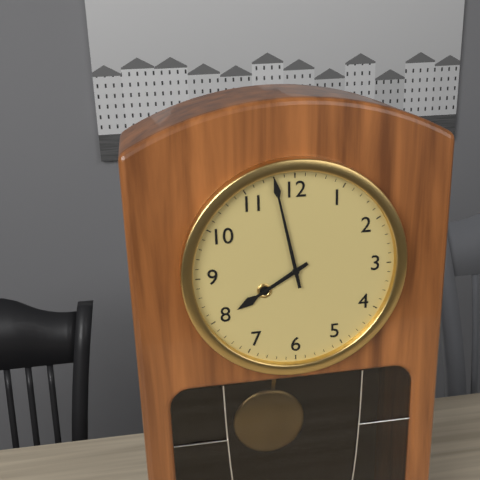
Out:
h=7 m=58
